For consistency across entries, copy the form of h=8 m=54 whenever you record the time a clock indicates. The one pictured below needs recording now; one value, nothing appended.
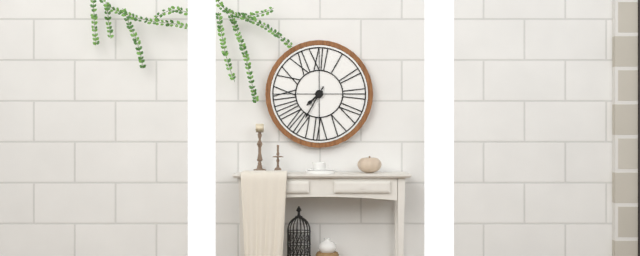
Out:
h=7 m=35
